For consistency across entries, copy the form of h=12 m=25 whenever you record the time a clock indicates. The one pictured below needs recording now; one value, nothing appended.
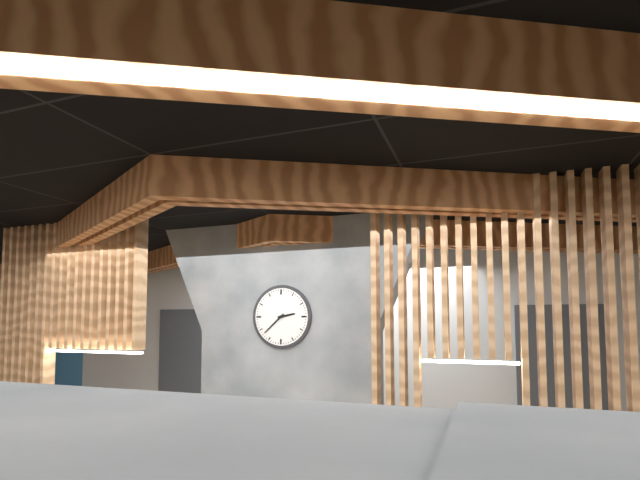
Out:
h=2 m=38
